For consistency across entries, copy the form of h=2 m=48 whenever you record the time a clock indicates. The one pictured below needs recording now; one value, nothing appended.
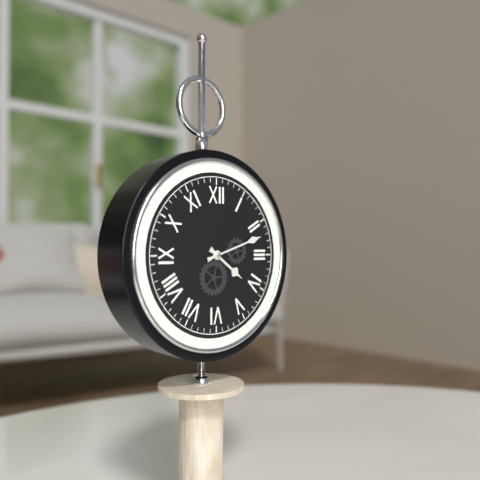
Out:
h=4 m=12
